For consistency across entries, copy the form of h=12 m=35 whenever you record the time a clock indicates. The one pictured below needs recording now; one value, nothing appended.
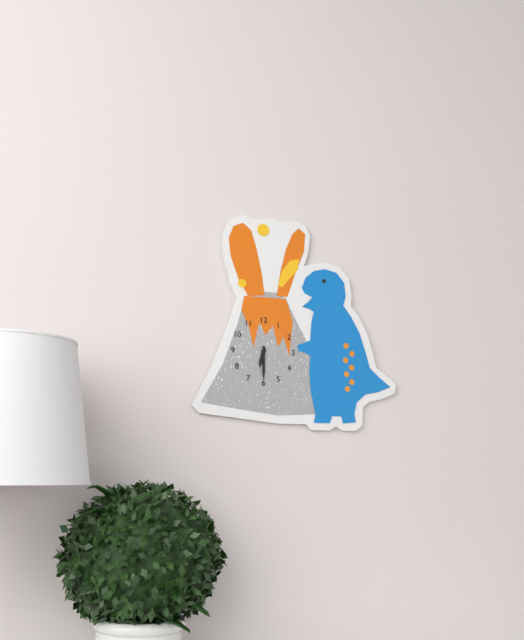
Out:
h=6 m=30
